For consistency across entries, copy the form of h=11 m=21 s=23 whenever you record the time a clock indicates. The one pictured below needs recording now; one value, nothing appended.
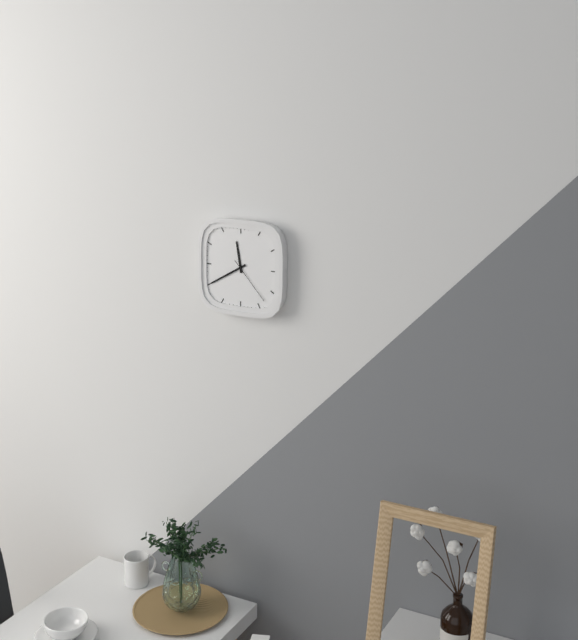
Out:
h=11 m=40 s=23
